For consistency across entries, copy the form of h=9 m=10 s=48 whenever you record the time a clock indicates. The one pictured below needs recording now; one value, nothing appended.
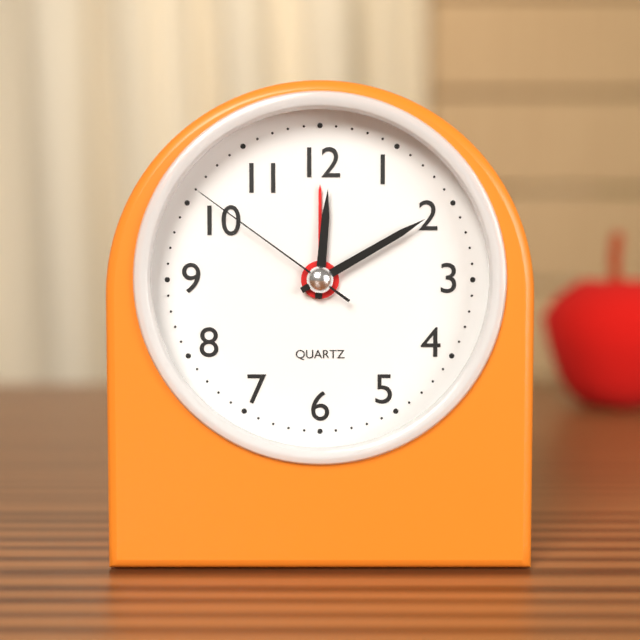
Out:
h=12 m=10 s=51
